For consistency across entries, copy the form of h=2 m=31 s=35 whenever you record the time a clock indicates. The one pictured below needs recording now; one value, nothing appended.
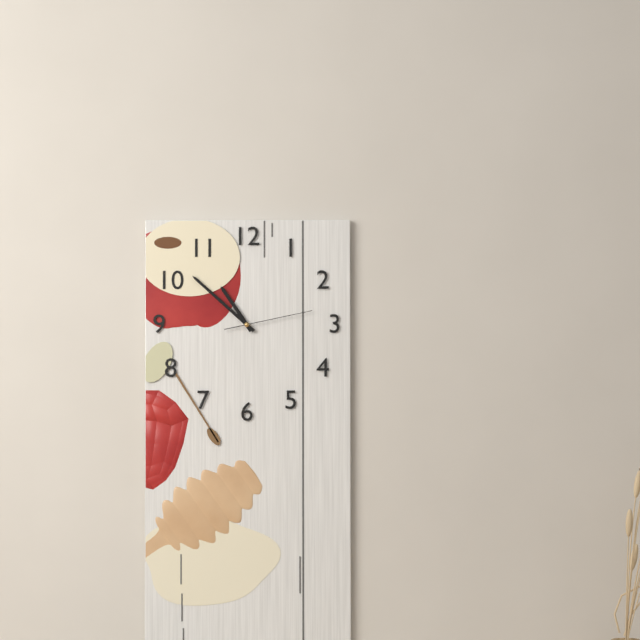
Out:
h=10 m=52 s=13
